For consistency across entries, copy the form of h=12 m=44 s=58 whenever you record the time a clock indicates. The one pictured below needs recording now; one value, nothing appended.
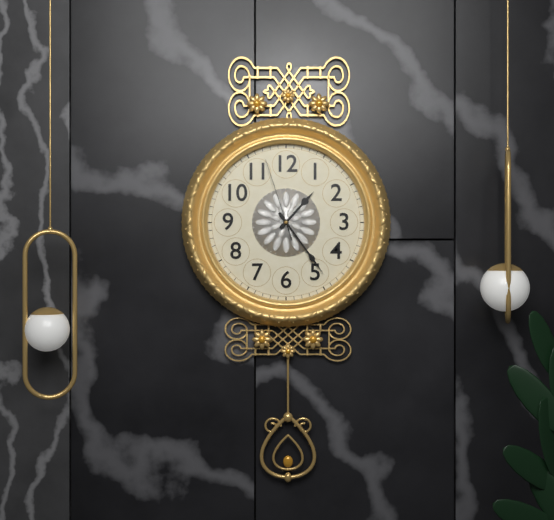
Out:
h=1 m=24 s=57
